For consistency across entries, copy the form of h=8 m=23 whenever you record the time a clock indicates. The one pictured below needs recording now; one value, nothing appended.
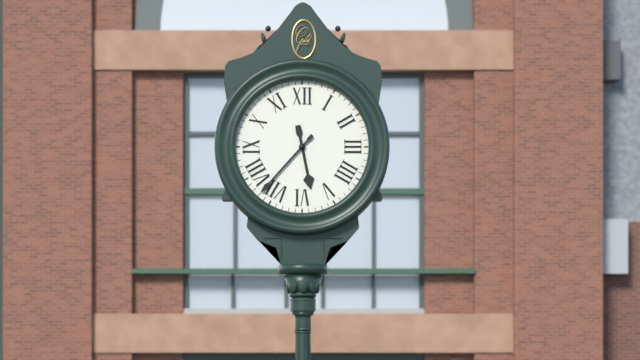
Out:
h=5 m=37
